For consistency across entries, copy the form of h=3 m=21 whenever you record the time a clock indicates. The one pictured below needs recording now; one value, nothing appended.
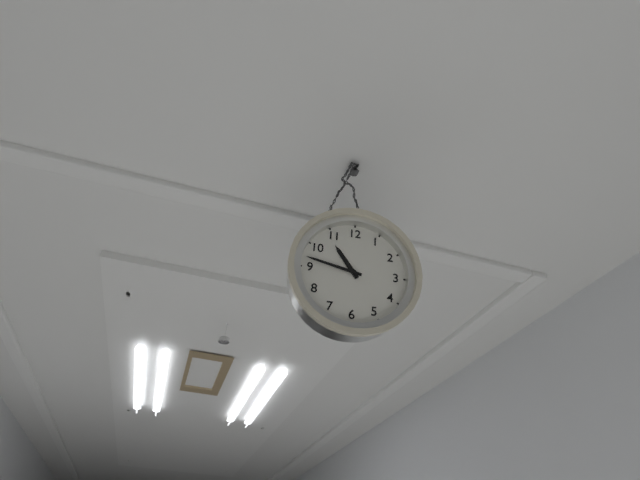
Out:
h=10 m=47
